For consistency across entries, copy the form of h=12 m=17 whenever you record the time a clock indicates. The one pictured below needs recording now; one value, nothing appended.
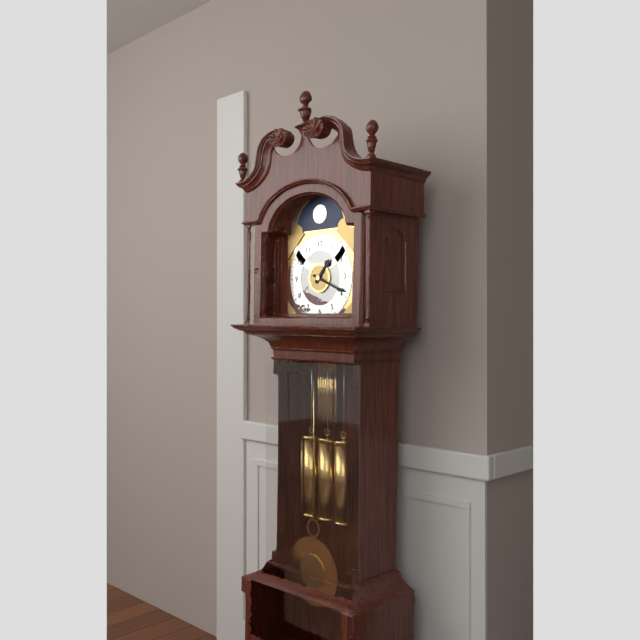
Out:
h=1 m=19
